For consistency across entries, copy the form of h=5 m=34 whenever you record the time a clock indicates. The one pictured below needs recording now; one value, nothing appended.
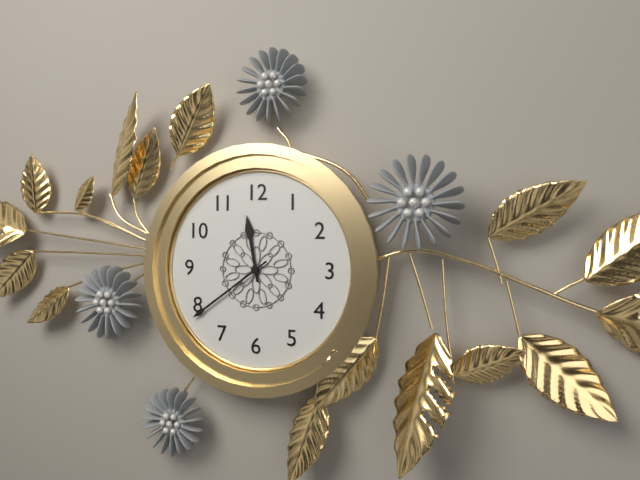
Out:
h=11 m=39
